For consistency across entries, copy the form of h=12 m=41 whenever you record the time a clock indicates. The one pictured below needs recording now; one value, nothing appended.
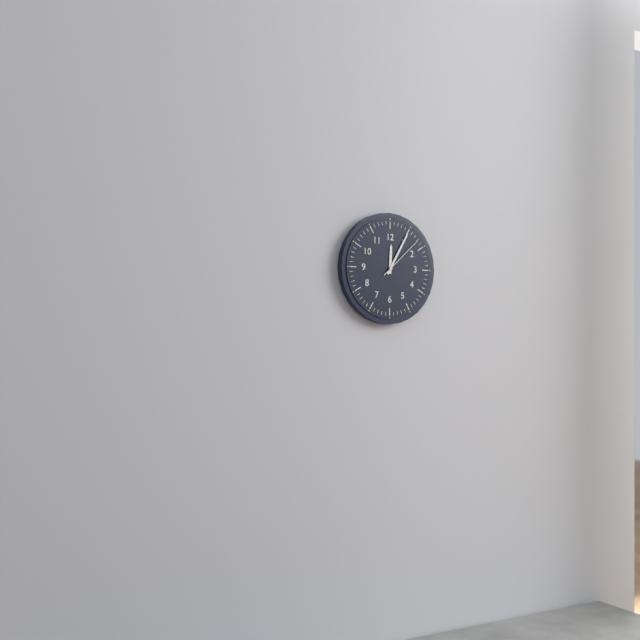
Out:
h=12 m=5
